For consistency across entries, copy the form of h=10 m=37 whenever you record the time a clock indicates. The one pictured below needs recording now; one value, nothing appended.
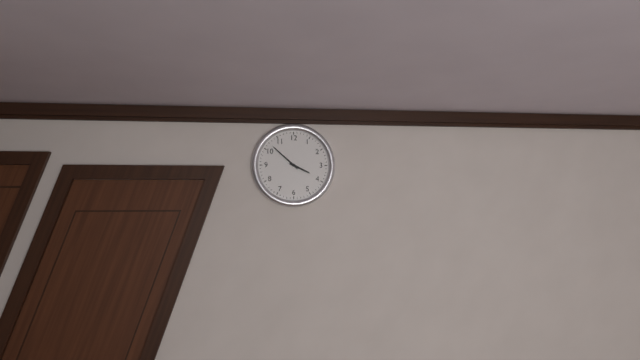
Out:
h=3 m=52
